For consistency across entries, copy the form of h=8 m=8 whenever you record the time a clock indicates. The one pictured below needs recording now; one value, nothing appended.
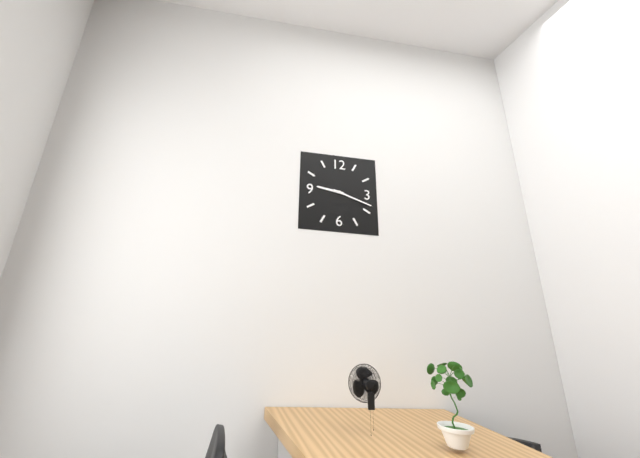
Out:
h=9 m=18
